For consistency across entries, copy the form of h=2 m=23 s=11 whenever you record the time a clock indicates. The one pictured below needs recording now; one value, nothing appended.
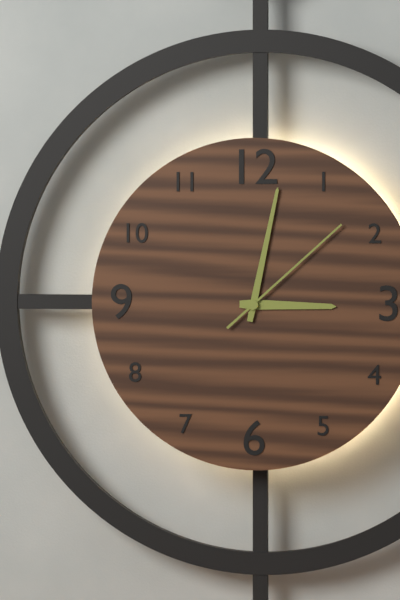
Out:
h=3 m=2 s=8
